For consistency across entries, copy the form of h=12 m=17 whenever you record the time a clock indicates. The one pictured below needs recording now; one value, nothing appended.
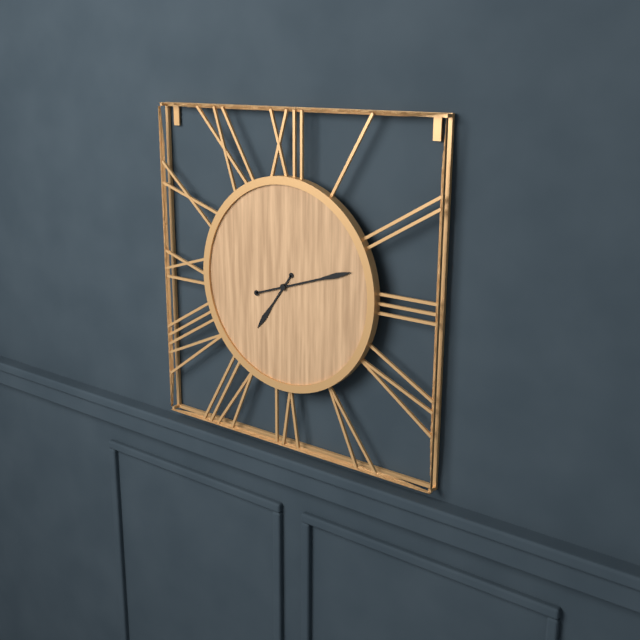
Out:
h=7 m=12
